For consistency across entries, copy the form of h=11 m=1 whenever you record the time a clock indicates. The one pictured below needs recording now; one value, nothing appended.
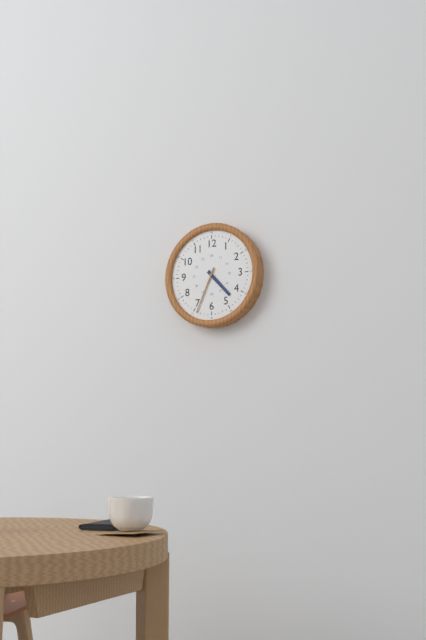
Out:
h=4 m=34
